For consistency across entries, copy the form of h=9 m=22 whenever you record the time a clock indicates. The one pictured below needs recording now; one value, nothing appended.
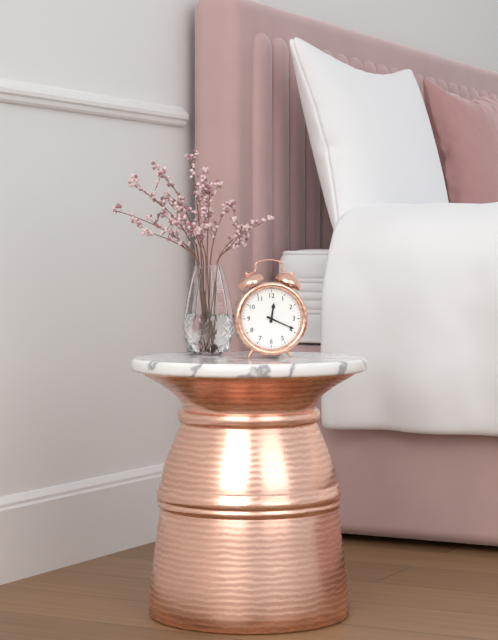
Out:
h=12 m=19
